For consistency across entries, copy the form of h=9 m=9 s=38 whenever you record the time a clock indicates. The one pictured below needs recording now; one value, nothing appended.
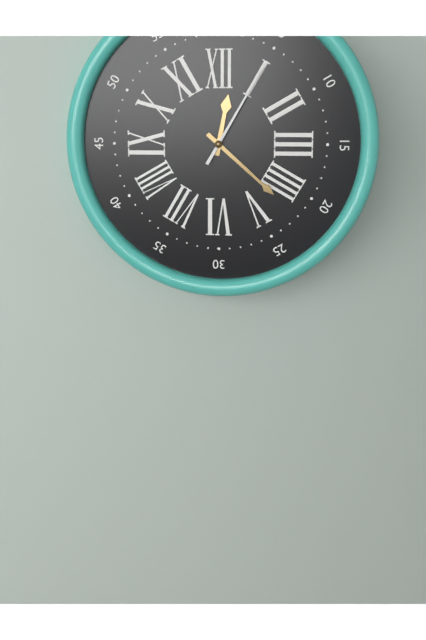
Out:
h=12 m=22 s=5
